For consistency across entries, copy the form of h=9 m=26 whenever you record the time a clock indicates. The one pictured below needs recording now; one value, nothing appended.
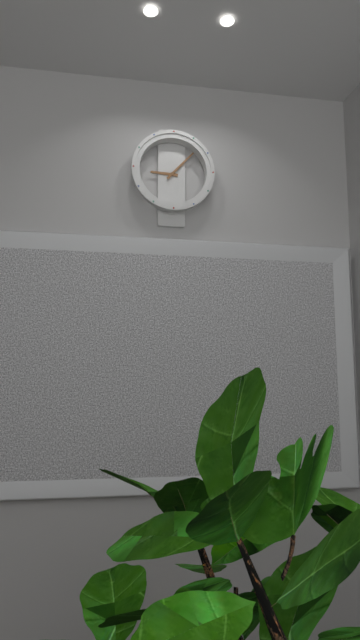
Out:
h=9 m=7
